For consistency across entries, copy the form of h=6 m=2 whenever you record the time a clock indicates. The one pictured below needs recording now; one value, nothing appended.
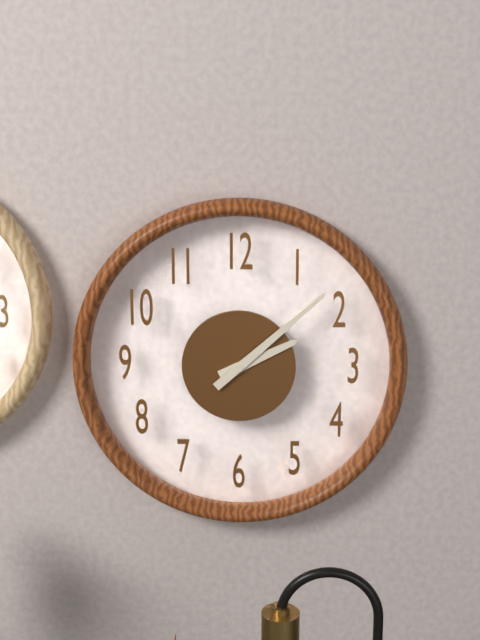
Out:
h=2 m=8
